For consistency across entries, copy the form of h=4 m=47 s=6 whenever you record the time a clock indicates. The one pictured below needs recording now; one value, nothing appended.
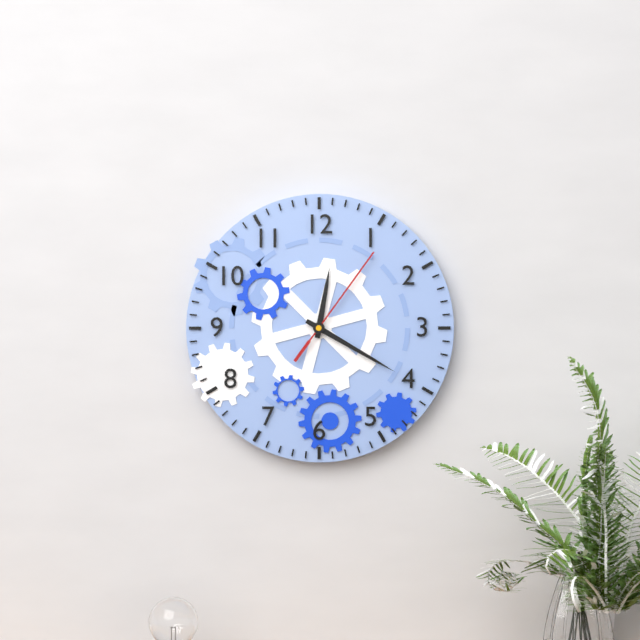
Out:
h=12 m=20 s=6
